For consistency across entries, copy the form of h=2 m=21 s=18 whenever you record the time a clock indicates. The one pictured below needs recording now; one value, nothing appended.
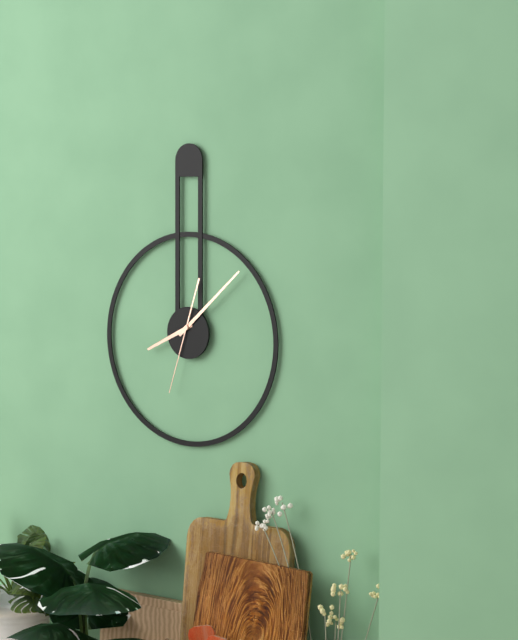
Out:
h=8 m=8 s=33
